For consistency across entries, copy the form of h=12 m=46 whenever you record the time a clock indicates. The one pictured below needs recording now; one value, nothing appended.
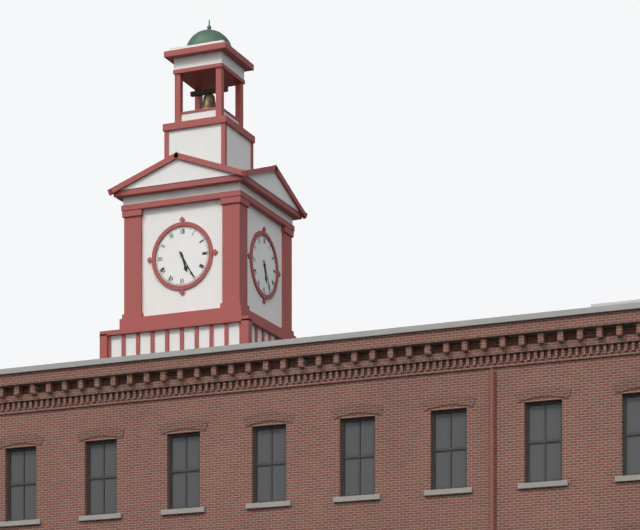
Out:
h=5 m=25
